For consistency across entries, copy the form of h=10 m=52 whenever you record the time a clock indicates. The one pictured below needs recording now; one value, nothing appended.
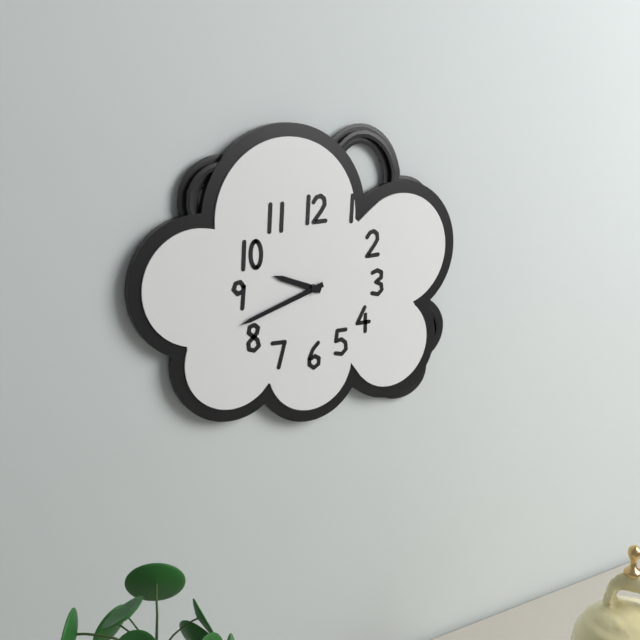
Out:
h=9 m=42
